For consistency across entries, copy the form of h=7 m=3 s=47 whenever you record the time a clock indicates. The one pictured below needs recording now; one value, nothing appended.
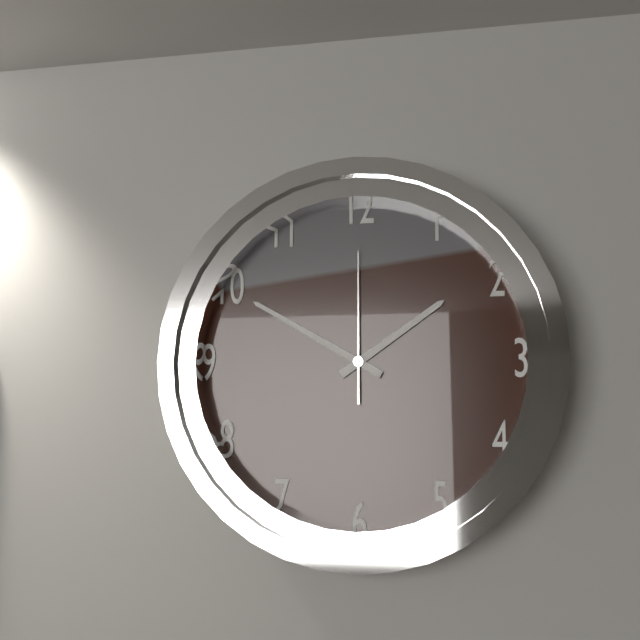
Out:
h=1 m=50 s=0
